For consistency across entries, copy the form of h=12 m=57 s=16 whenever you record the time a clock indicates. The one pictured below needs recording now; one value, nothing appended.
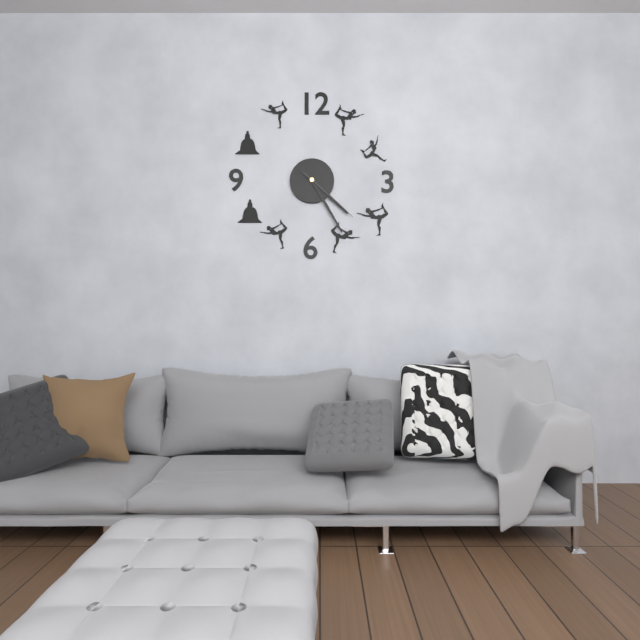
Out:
h=4 m=25 s=22
